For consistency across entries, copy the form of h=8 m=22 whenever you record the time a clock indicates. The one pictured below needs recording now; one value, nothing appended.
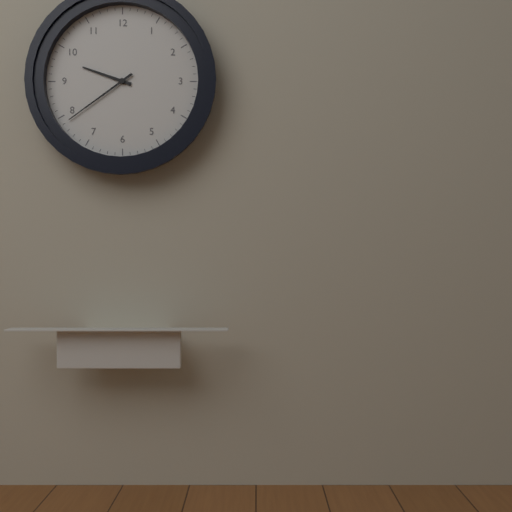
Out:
h=9 m=39
